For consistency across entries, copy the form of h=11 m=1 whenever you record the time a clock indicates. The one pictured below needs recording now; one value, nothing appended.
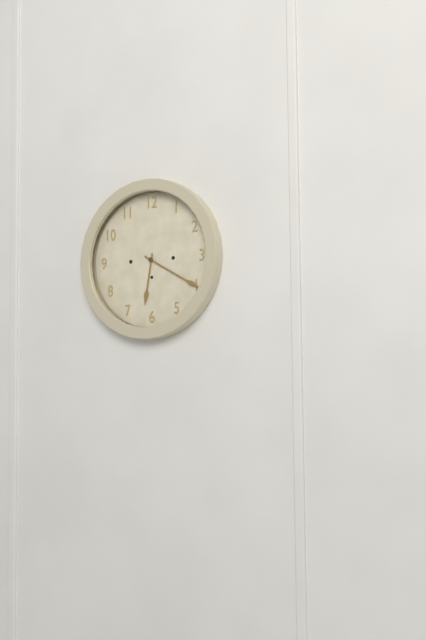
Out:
h=6 m=20
